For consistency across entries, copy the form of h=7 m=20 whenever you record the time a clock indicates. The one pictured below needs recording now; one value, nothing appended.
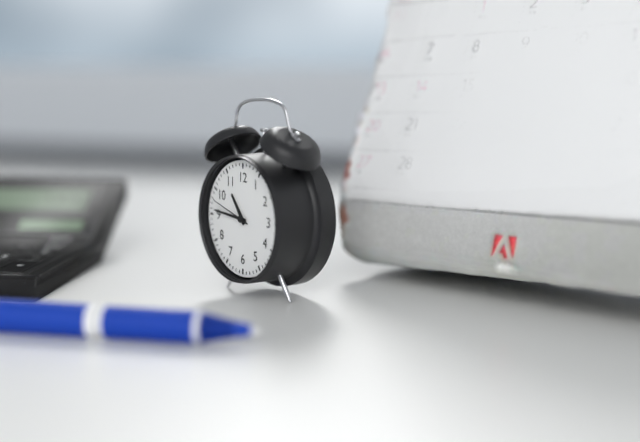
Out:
h=10 m=46
